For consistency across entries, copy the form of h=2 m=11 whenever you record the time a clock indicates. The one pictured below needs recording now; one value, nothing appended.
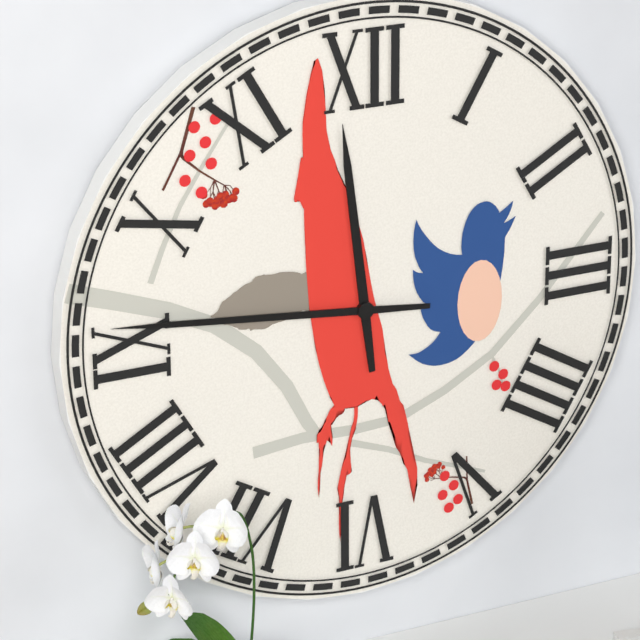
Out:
h=11 m=46
